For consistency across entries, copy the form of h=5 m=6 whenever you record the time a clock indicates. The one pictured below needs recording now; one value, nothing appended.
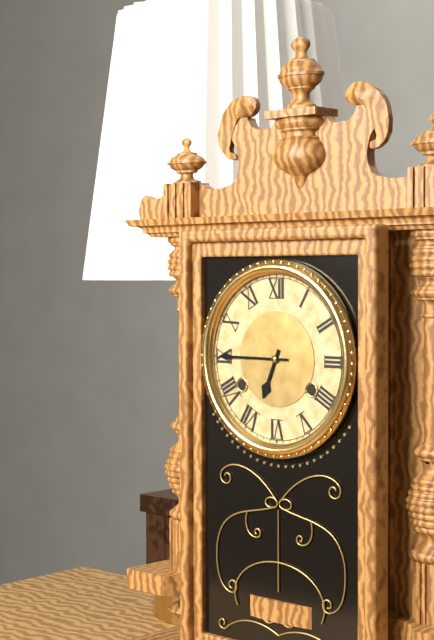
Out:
h=6 m=45
